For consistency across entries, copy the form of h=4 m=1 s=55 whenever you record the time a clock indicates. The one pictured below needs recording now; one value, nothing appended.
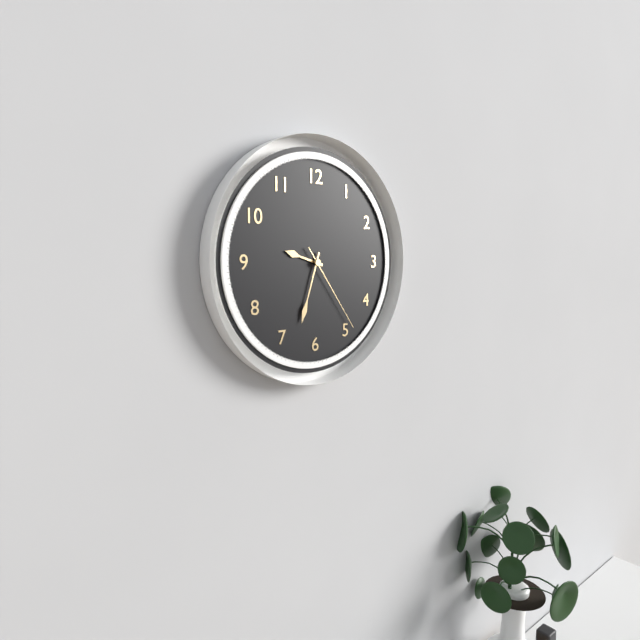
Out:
h=9 m=33 s=24
